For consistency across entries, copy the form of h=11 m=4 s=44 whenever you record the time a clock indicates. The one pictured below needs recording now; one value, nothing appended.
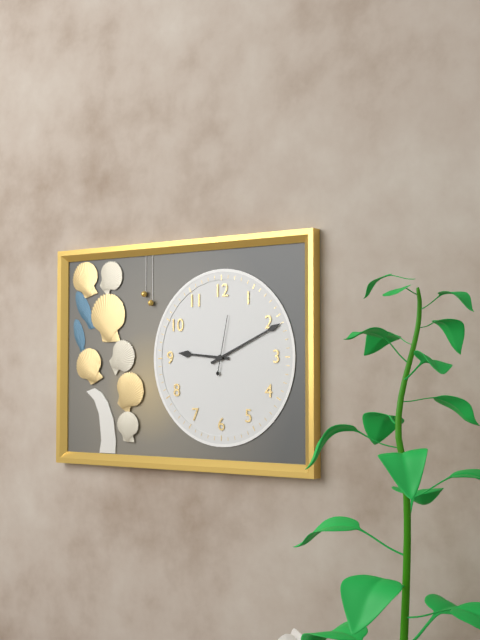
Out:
h=9 m=11 s=2
